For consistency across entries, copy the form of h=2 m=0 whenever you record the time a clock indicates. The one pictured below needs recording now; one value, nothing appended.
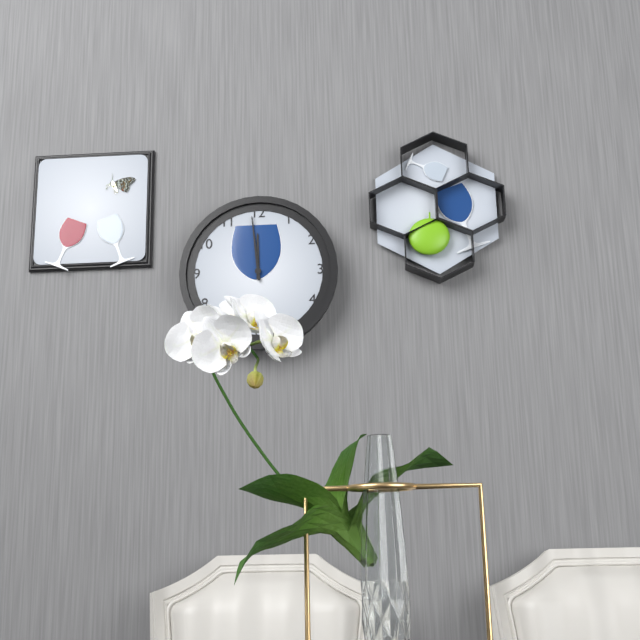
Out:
h=11 m=59
